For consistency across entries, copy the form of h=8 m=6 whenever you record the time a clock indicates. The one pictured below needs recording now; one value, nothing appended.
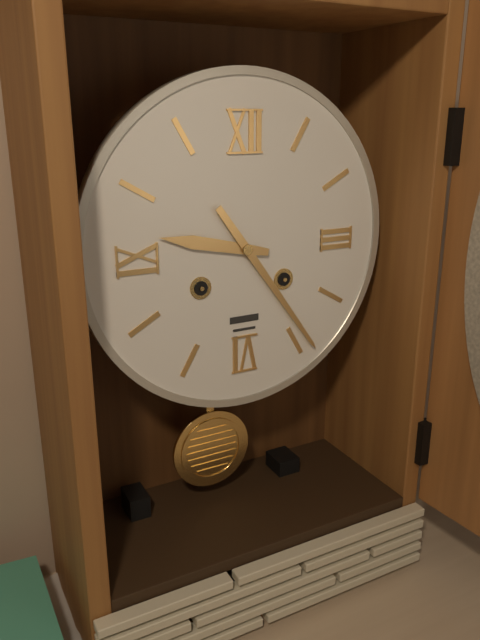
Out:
h=9 m=24
